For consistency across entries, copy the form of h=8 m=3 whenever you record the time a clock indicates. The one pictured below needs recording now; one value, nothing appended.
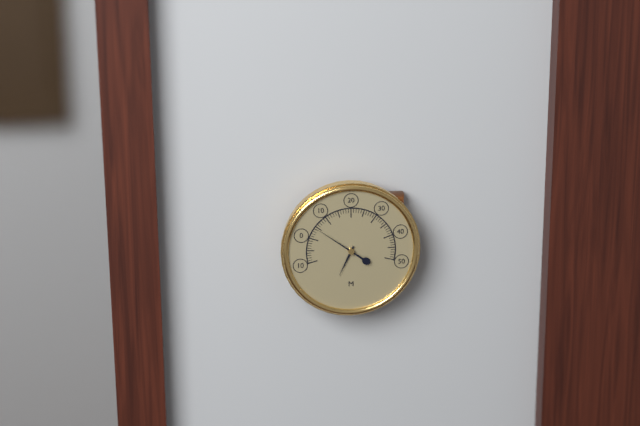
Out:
h=6 m=51
